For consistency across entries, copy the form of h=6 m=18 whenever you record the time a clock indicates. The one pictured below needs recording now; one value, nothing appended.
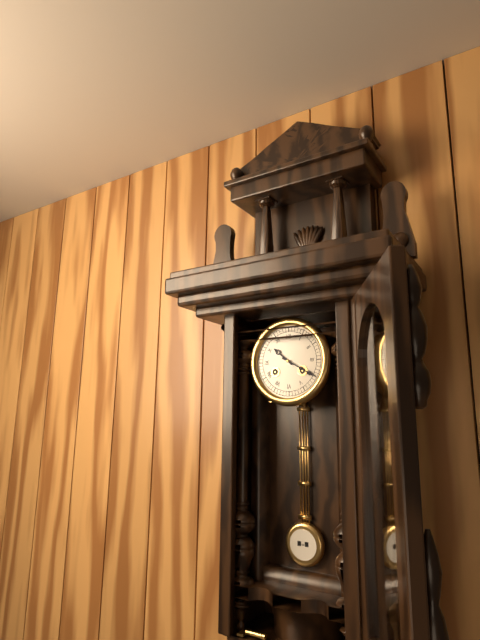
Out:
h=10 m=20
